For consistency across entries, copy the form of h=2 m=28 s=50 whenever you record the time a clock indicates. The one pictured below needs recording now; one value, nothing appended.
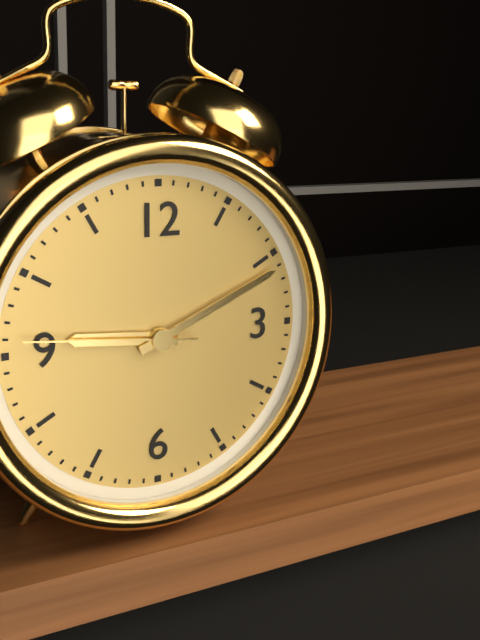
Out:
h=9 m=11 s=46
